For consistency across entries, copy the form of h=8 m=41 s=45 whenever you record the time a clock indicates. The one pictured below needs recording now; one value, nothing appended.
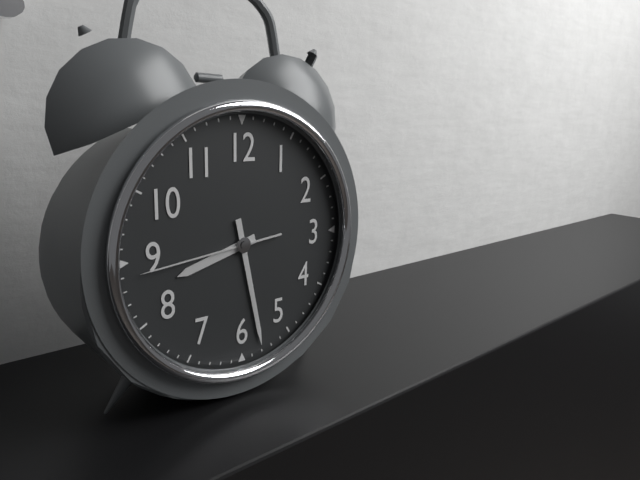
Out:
h=8 m=28 s=44
